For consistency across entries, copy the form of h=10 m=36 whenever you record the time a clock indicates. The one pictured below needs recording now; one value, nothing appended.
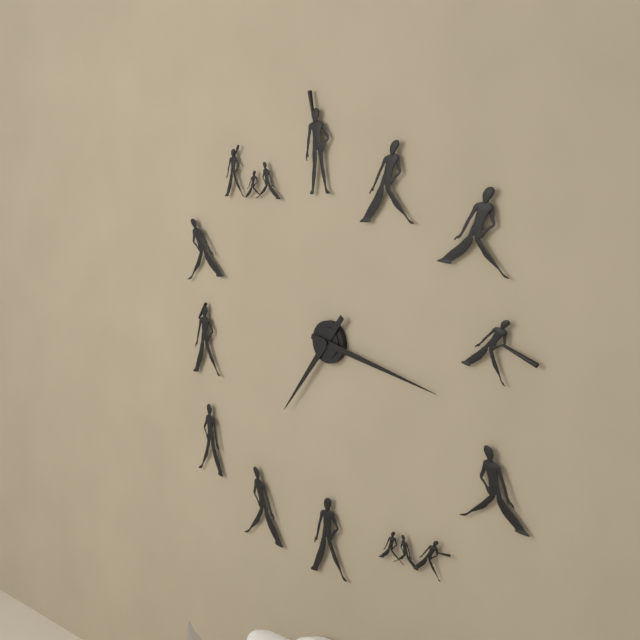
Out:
h=7 m=17
